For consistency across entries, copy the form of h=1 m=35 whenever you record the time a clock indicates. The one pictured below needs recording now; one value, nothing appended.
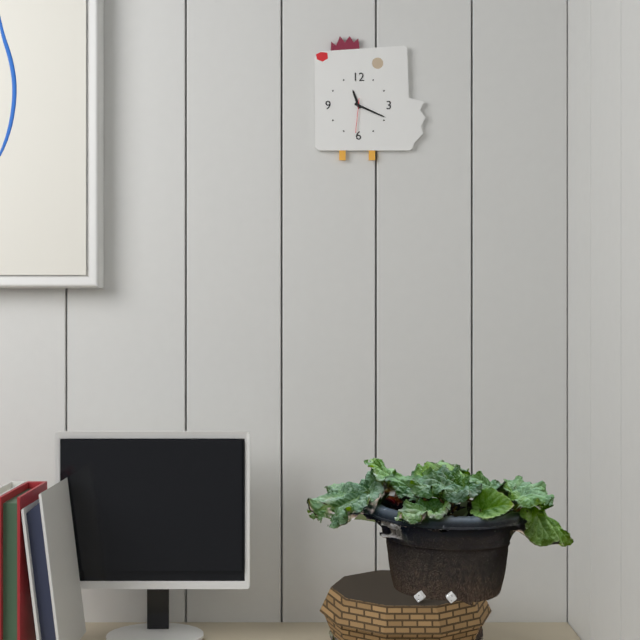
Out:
h=11 m=19
